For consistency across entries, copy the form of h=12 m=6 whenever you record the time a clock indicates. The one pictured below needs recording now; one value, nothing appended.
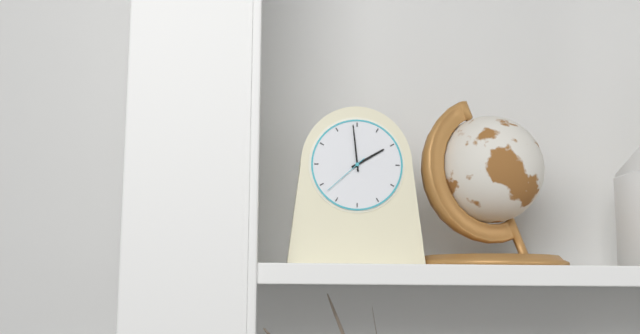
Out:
h=1 m=59
